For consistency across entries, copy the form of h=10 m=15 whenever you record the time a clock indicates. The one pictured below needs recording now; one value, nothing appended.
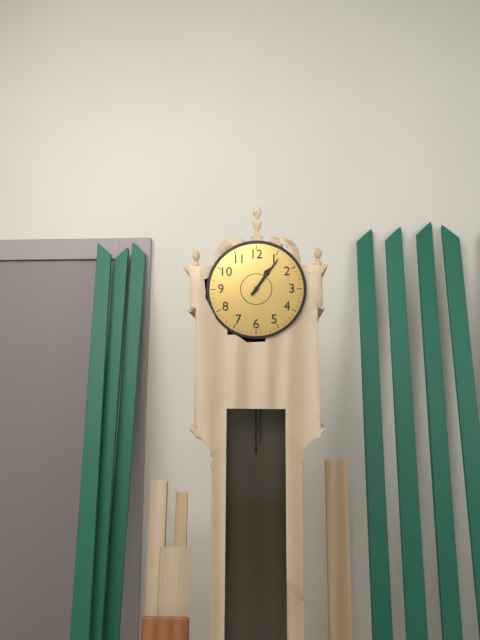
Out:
h=1 m=6
